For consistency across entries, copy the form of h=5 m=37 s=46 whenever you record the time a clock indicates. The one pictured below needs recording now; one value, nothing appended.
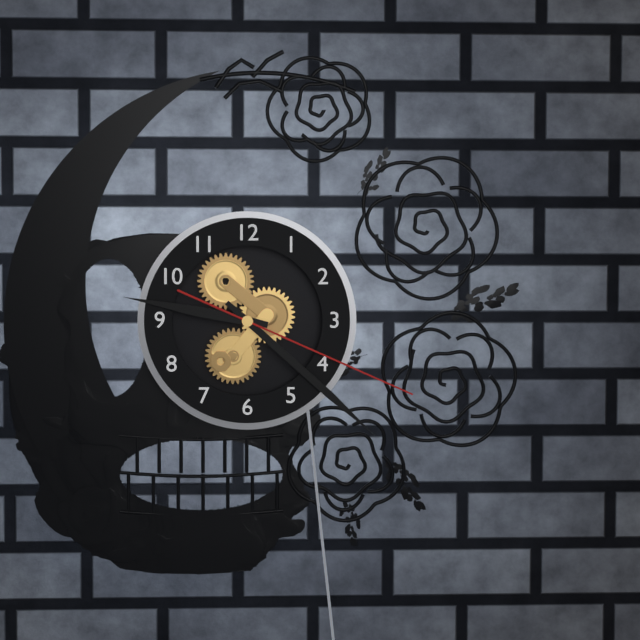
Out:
h=9 m=22 s=19
